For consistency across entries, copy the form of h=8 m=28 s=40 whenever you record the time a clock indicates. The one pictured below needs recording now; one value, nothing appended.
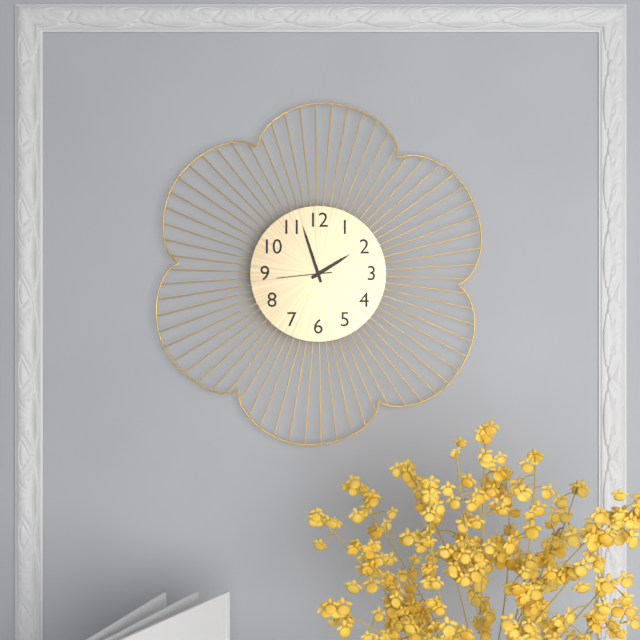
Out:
h=1 m=57 s=44
